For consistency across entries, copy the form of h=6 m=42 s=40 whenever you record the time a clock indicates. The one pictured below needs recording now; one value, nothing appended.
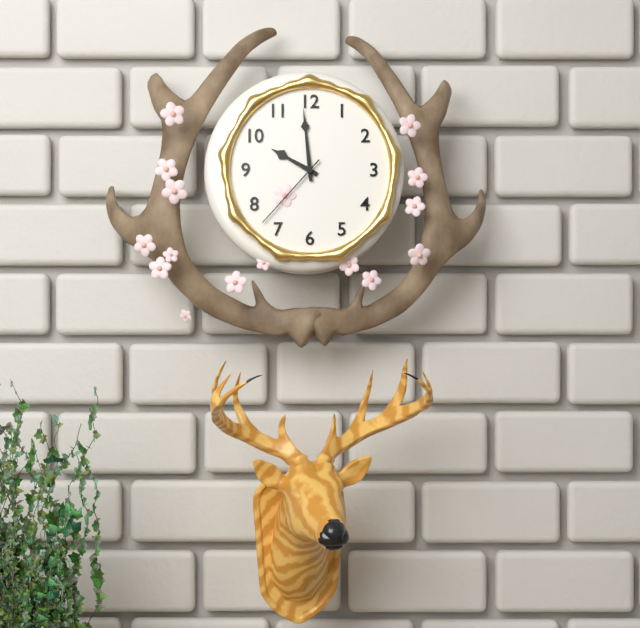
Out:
h=9 m=59 s=37
